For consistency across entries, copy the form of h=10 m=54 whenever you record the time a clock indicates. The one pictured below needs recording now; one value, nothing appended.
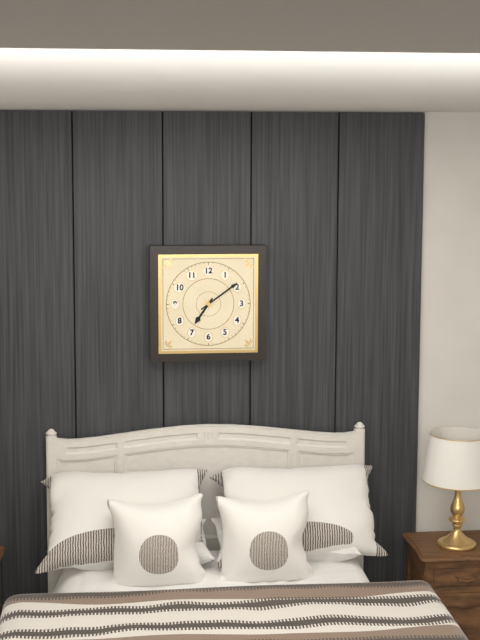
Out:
h=7 m=9
